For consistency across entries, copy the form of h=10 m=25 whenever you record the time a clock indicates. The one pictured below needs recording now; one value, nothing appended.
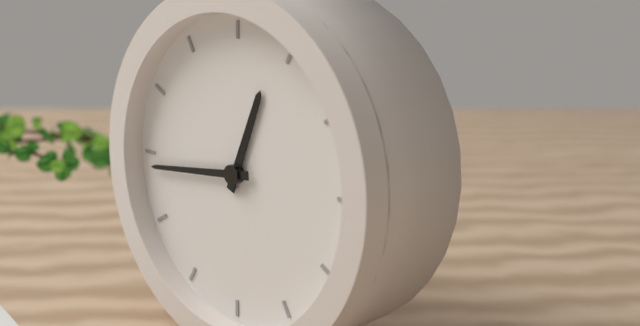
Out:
h=12 m=44
